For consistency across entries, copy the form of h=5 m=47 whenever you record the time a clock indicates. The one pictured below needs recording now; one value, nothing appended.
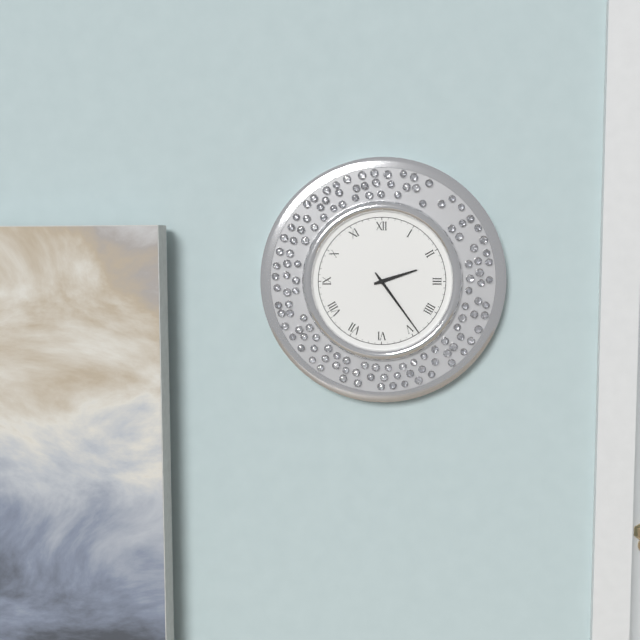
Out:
h=2 m=24
